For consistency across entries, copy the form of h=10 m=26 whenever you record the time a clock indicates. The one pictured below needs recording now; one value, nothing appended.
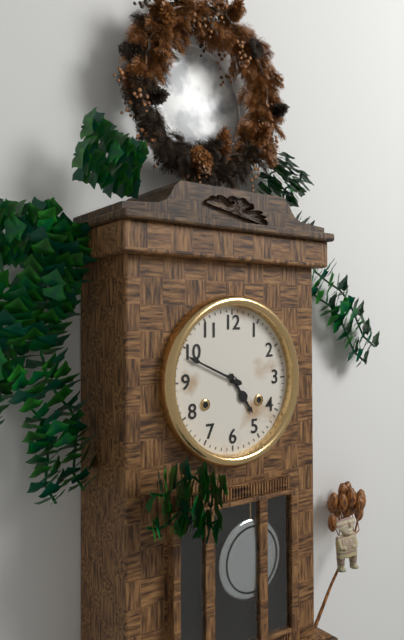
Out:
h=4 m=49
